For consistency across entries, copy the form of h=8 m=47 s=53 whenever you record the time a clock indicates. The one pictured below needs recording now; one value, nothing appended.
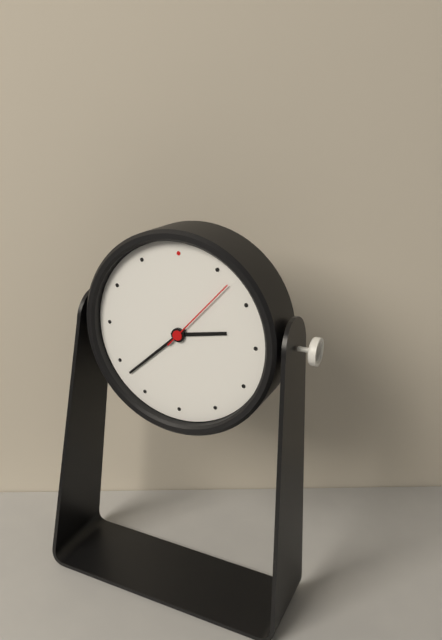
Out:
h=2 m=38 s=7
